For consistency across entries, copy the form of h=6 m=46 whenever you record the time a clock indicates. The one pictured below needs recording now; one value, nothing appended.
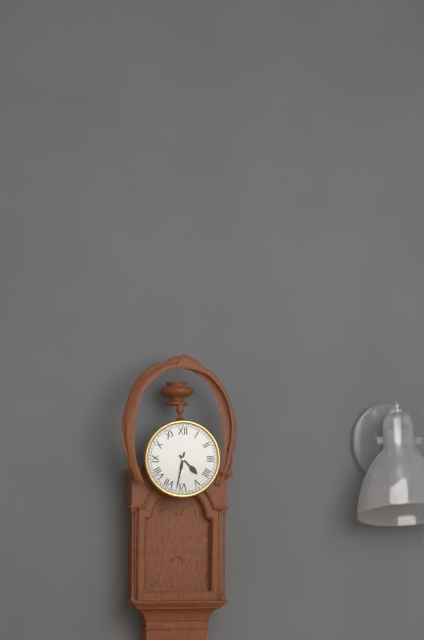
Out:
h=4 m=32
